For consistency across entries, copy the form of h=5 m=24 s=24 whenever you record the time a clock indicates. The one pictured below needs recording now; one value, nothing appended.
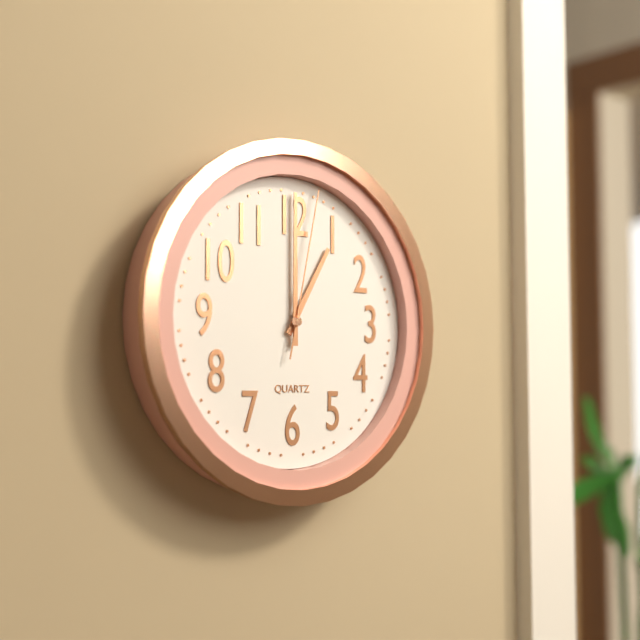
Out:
h=1 m=0 s=2
